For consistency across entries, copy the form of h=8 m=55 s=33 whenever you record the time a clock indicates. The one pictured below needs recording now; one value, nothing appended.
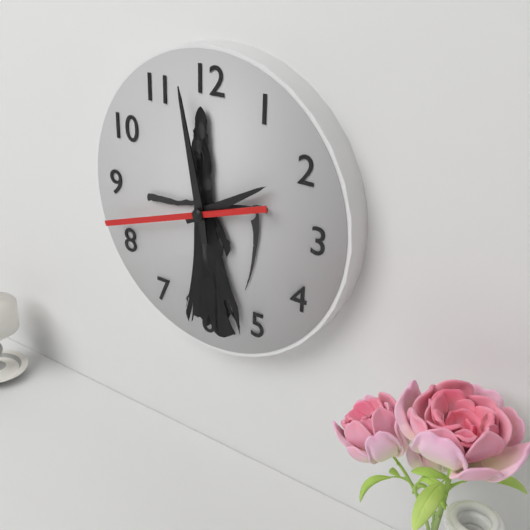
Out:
h=1 m=58 s=42
